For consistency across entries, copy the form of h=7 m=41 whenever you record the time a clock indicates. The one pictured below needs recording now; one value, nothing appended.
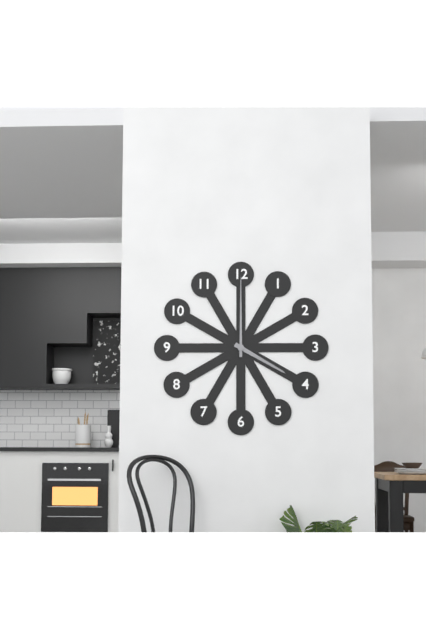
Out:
h=4 m=0
